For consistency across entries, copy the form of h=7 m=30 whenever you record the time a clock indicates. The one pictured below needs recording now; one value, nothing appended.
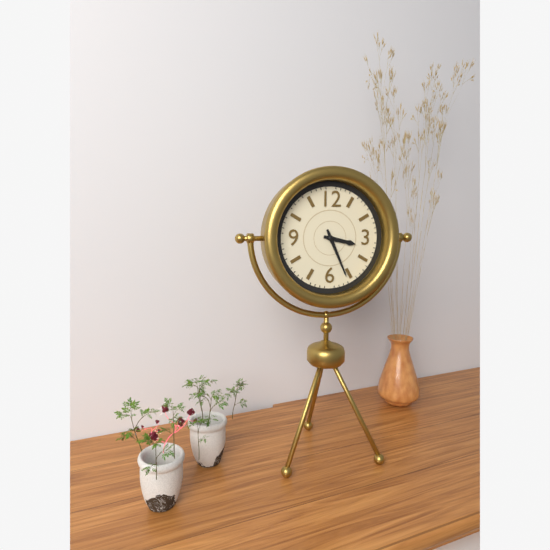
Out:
h=3 m=26
